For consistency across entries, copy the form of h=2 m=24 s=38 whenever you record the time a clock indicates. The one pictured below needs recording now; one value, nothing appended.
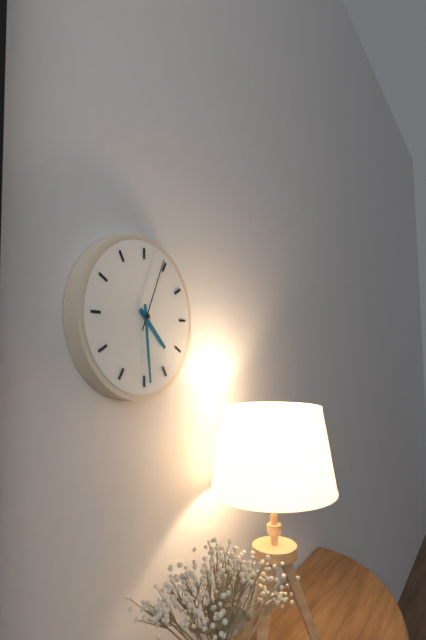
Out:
h=4 m=29 s=4
